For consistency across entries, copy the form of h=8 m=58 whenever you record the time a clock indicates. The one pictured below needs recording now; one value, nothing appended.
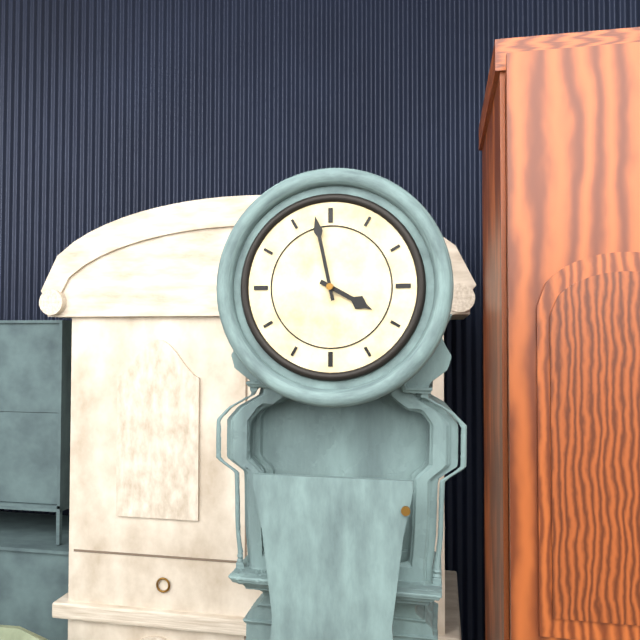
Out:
h=3 m=58
